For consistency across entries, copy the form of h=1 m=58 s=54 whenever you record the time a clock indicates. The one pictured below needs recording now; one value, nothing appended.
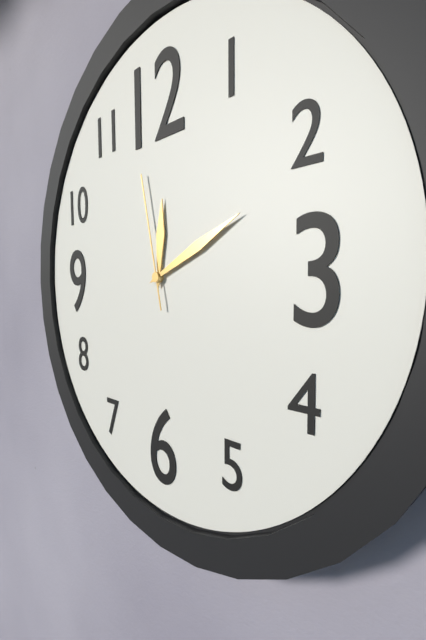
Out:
h=12 m=11 s=58
